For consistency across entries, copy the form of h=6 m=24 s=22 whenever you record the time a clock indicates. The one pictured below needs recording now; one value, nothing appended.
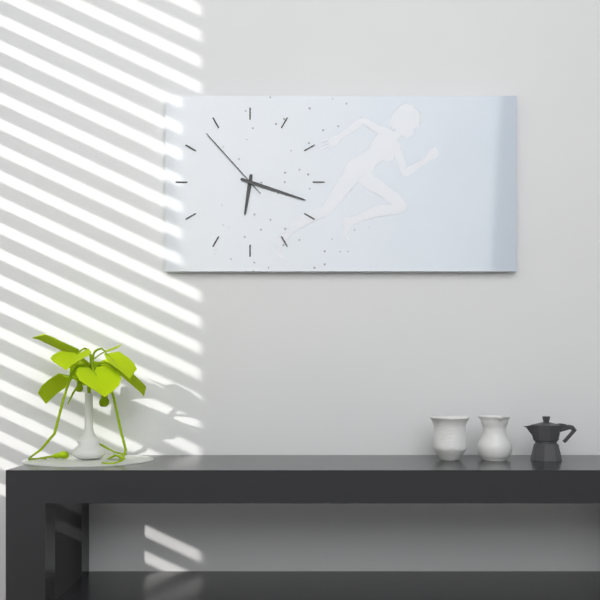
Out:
h=6 m=18 s=53
